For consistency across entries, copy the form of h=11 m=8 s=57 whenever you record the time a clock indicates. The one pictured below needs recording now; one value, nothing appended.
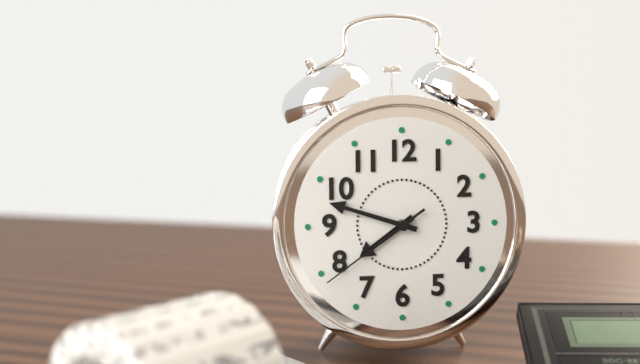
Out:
h=7 m=48 s=39
